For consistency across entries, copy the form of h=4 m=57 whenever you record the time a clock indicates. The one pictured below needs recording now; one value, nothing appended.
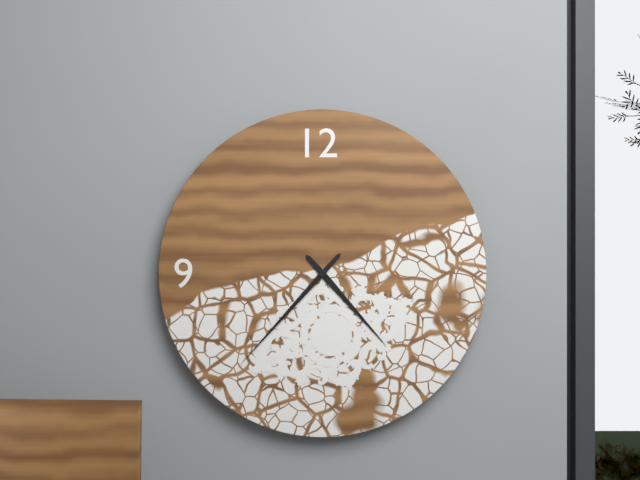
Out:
h=4 m=37
